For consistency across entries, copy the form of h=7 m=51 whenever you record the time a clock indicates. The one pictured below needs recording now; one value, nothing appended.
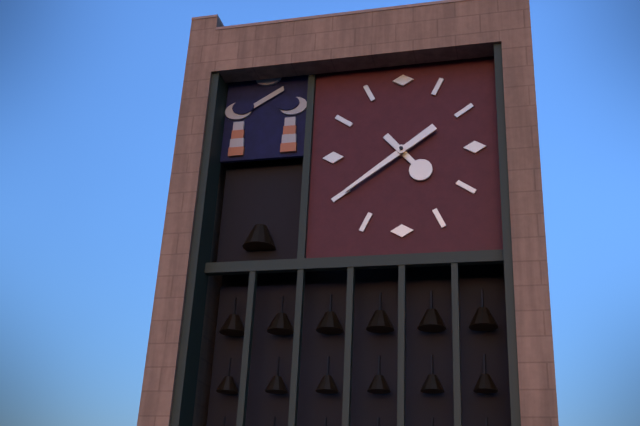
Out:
h=4 m=39
